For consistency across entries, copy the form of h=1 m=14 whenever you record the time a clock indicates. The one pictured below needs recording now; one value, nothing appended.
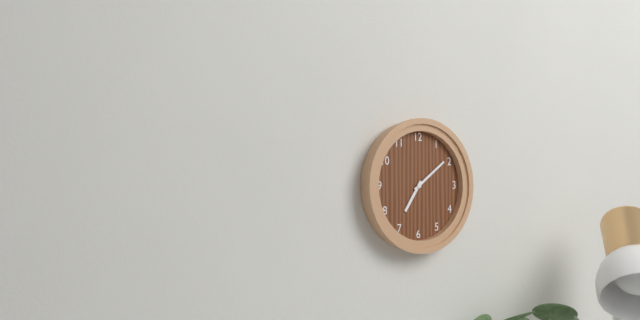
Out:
h=7 m=9
